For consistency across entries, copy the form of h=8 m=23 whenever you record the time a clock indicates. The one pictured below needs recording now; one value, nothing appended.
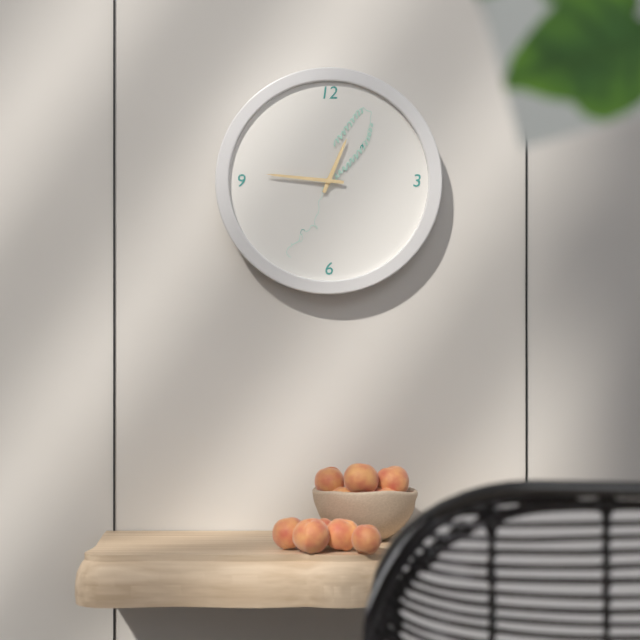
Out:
h=12 m=46
